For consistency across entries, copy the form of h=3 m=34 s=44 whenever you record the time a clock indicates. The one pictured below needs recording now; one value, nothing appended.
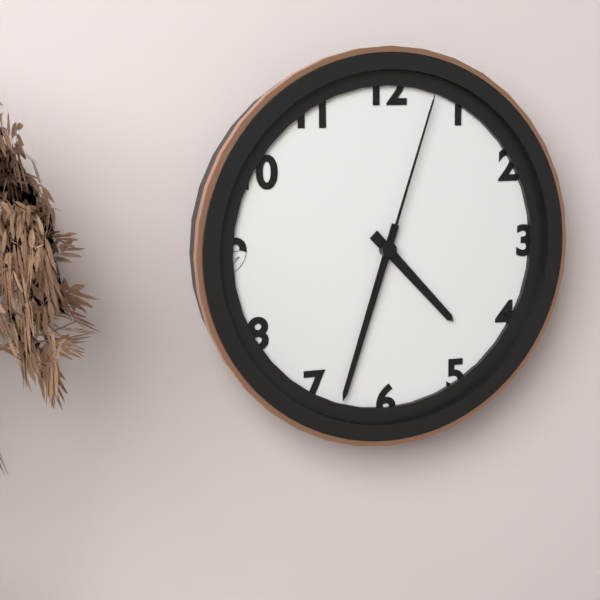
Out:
h=4 m=33 s=3
